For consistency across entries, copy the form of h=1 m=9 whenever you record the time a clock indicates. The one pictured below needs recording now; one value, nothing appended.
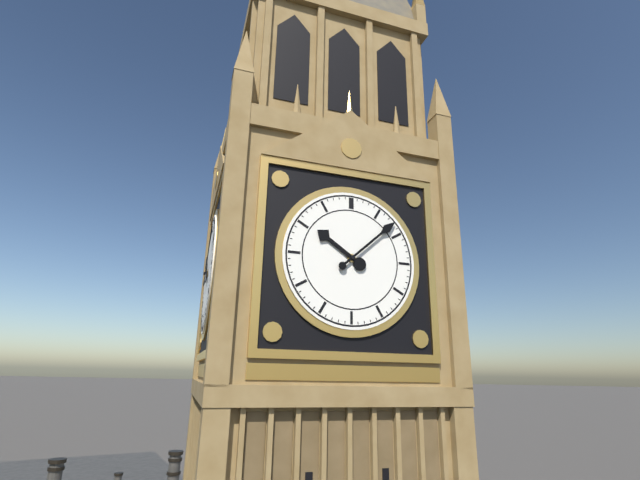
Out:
h=10 m=8
